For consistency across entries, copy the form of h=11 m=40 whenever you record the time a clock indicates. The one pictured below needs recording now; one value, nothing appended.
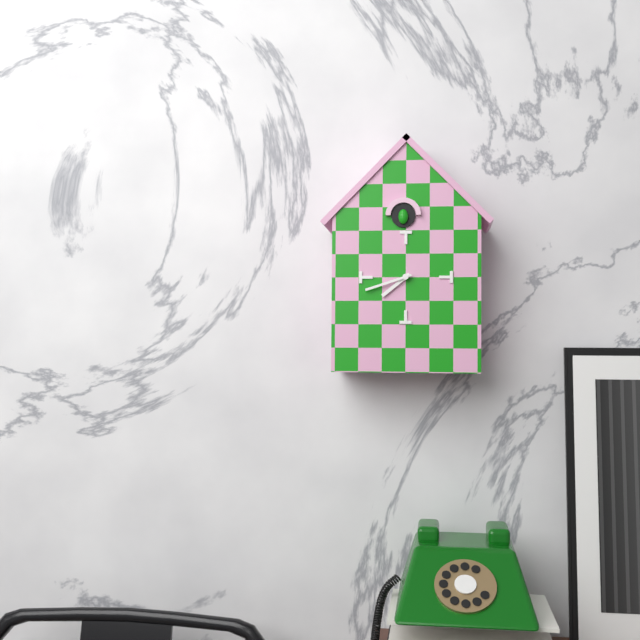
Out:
h=7 m=42
